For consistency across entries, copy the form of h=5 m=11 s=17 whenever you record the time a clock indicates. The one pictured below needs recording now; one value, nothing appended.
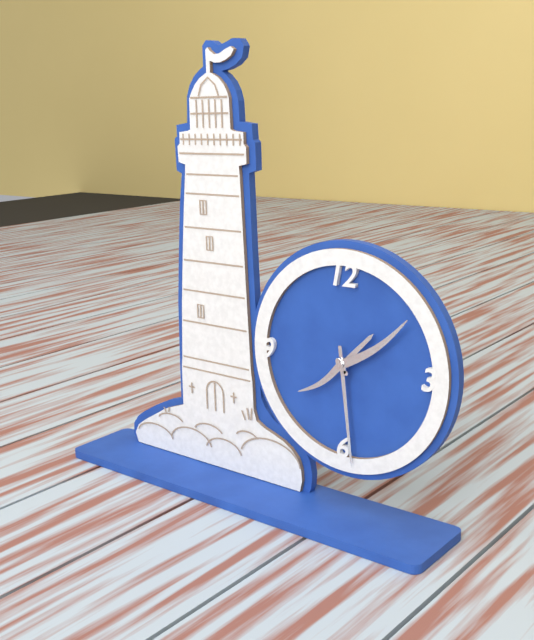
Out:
h=1 m=29 s=9
